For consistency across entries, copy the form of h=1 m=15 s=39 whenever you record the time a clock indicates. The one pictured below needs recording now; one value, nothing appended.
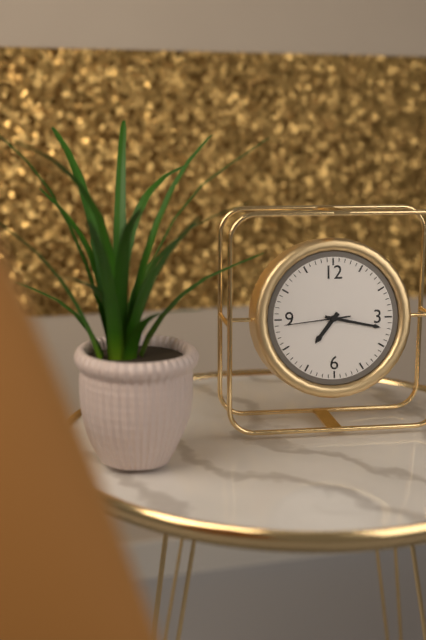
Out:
h=7 m=17 s=44
